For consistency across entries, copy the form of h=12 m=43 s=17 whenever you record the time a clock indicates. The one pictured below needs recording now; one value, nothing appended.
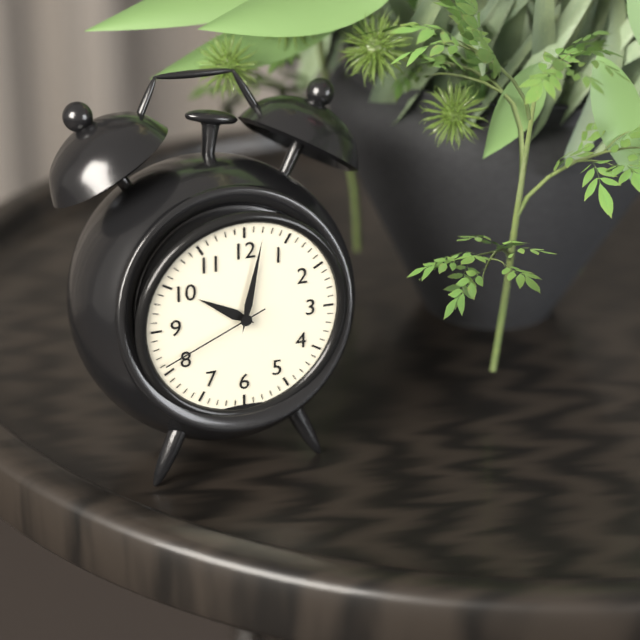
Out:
h=10 m=2 s=41
